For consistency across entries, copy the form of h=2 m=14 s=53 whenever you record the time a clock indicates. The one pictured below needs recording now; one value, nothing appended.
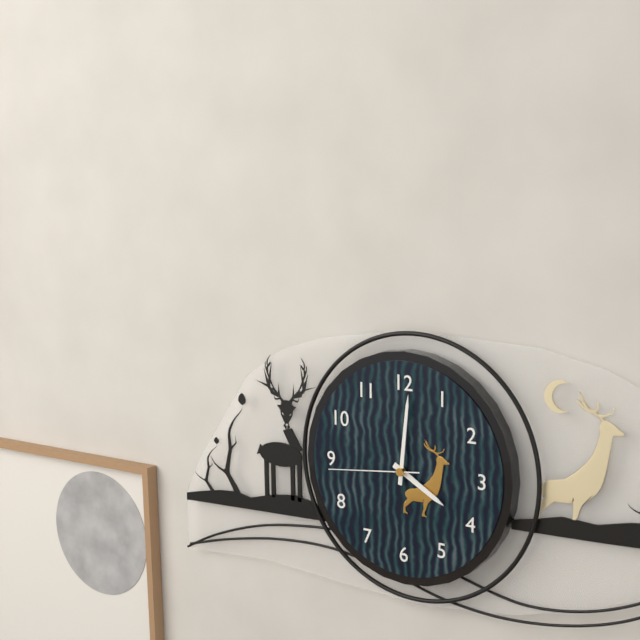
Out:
h=4 m=1 s=44
